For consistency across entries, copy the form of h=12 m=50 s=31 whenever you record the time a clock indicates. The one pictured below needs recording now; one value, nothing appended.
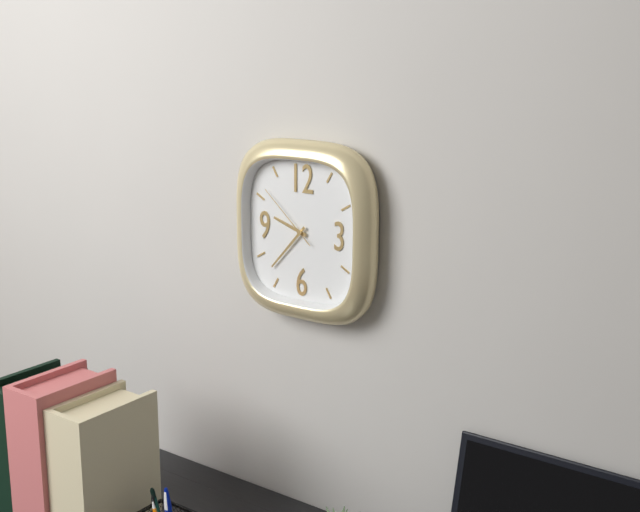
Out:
h=9 m=37 s=52
